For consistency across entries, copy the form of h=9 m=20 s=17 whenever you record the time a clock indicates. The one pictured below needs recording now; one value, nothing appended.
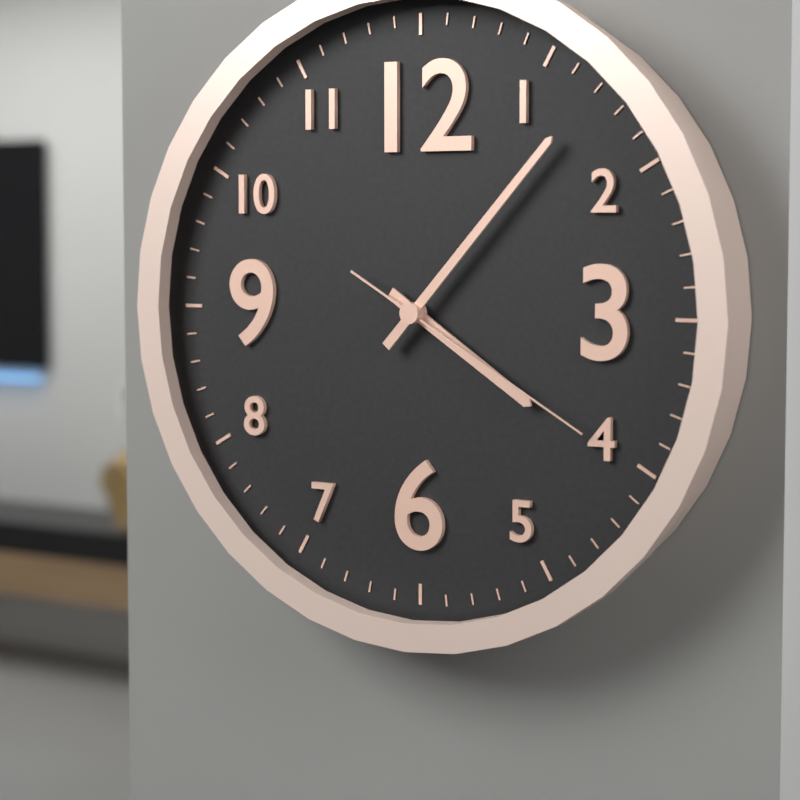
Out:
h=4 m=7 s=20
